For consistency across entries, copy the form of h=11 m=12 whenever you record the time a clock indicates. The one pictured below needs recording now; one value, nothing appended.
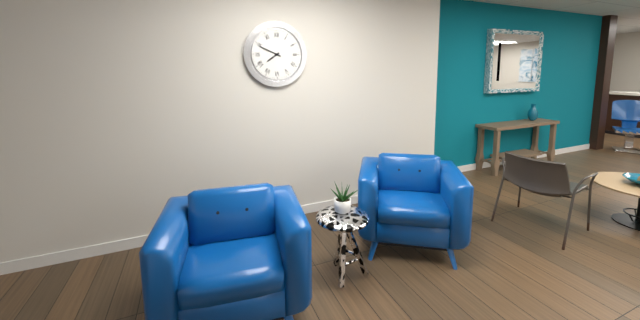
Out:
h=7 m=49
